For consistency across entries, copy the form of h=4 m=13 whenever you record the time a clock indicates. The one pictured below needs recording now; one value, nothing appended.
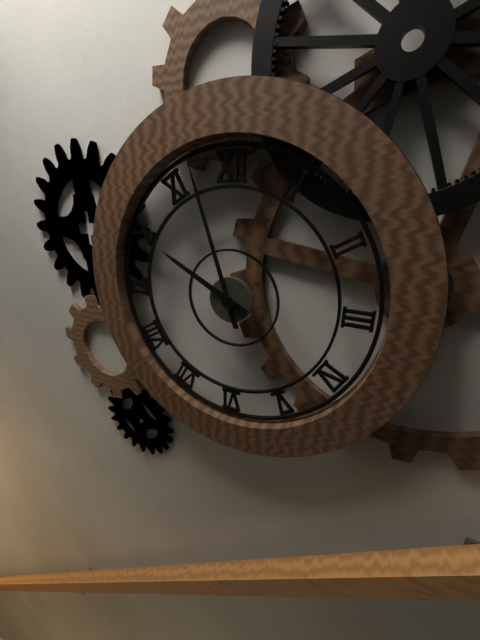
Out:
h=9 m=57
